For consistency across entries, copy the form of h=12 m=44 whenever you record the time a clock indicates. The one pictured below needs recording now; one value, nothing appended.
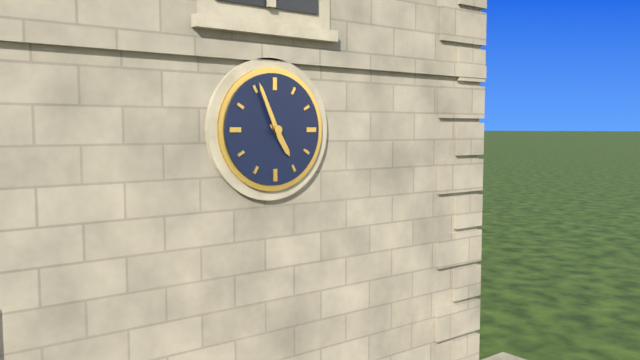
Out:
h=4 m=56
